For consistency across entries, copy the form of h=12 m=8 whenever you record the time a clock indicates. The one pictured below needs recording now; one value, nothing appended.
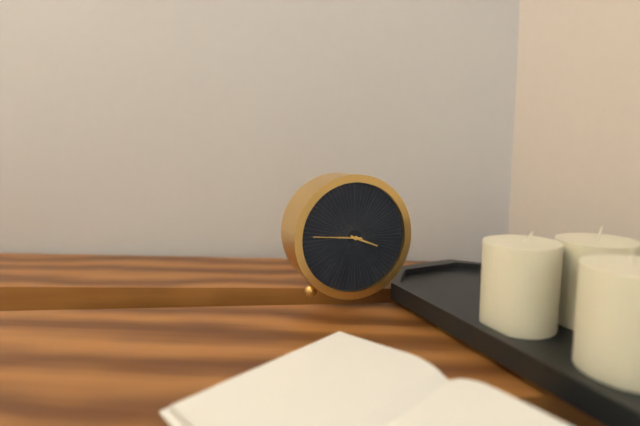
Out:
h=3 m=46
